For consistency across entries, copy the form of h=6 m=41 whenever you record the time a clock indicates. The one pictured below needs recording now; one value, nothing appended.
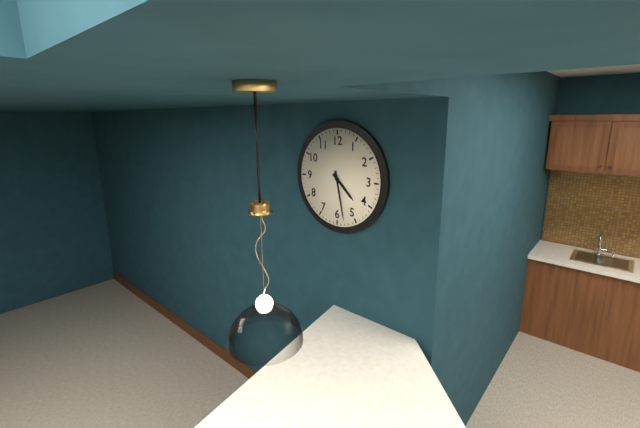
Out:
h=4 m=28
